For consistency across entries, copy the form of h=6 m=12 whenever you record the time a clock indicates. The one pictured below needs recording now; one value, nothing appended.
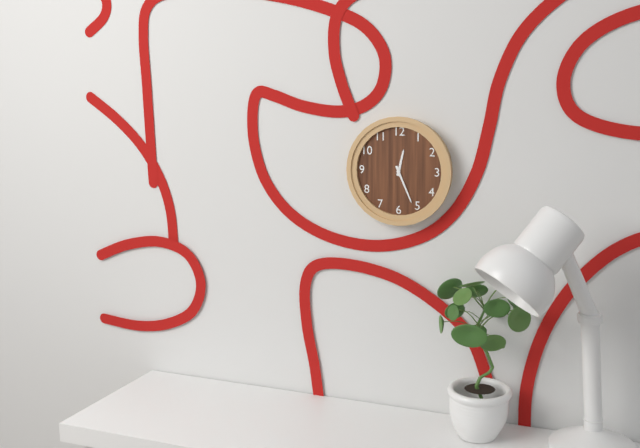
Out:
h=12 m=26
